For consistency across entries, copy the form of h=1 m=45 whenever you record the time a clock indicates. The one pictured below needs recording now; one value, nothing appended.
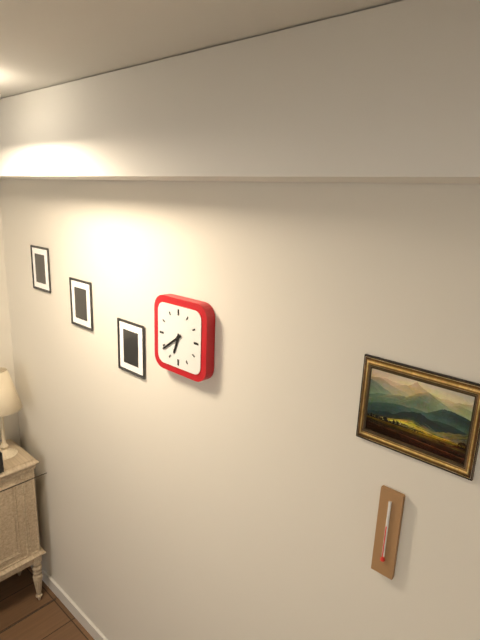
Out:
h=6 m=39
